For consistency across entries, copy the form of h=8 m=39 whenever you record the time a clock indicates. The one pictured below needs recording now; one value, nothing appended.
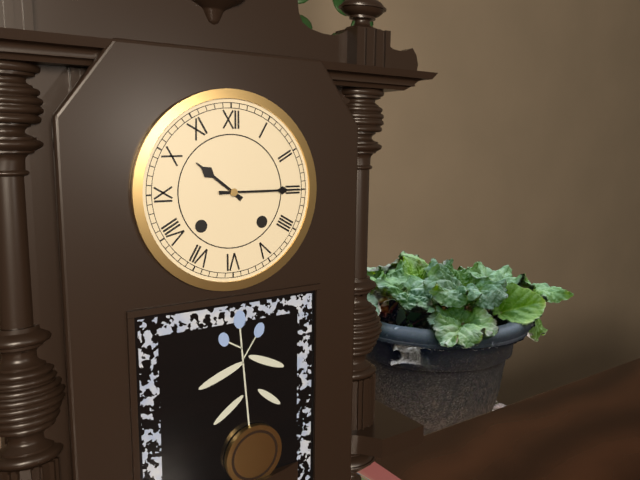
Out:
h=10 m=15
